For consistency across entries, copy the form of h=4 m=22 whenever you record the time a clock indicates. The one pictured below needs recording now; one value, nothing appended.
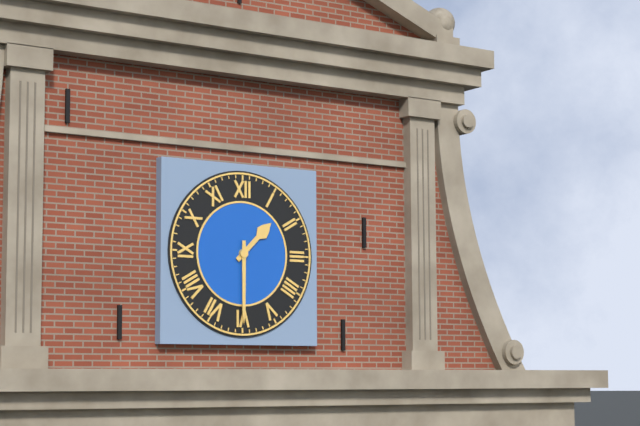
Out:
h=1 m=30
